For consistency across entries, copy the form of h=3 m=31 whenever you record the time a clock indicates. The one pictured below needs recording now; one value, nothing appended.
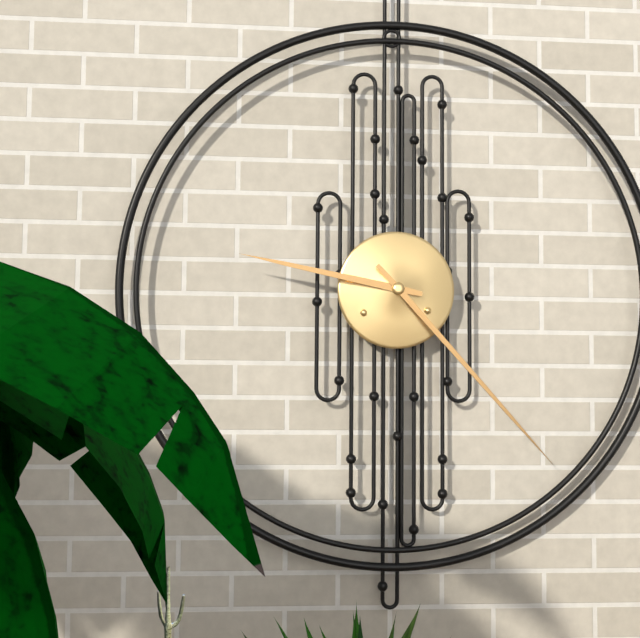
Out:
h=9 m=23
